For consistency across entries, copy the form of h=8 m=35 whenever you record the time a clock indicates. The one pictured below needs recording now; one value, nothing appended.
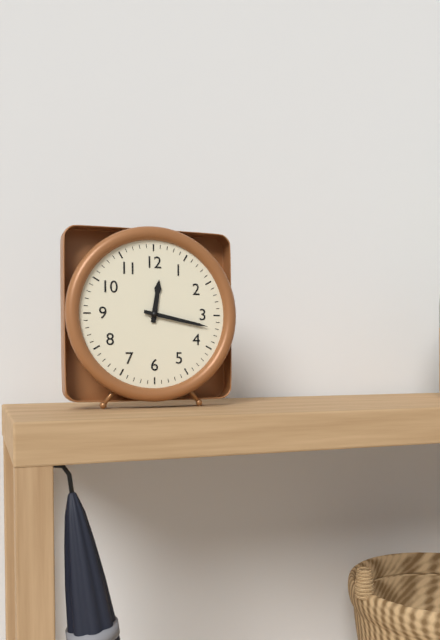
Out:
h=12 m=17
